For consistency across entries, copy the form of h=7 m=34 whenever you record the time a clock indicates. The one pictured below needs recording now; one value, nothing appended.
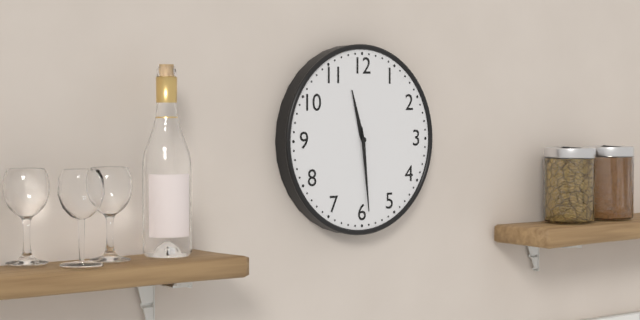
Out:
h=11 m=29
